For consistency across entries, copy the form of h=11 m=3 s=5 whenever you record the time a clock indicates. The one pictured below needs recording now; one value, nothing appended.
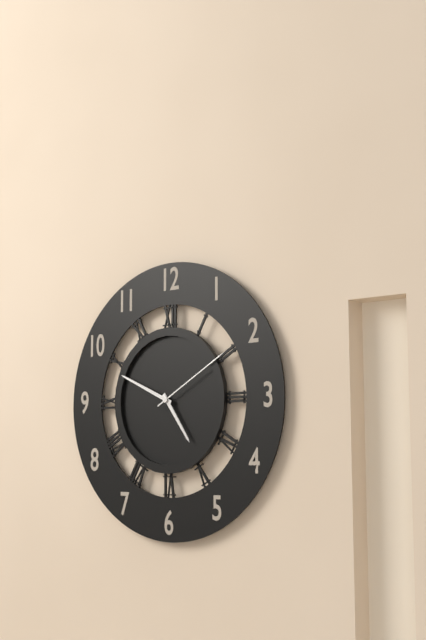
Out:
h=4 m=49 s=10
